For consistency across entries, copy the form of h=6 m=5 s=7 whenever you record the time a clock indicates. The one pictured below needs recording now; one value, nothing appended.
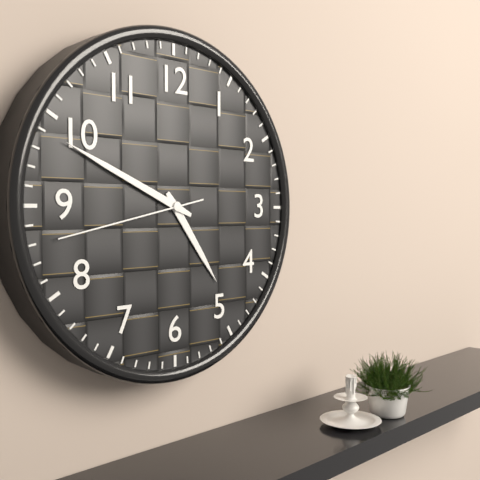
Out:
h=4 m=49 s=43
